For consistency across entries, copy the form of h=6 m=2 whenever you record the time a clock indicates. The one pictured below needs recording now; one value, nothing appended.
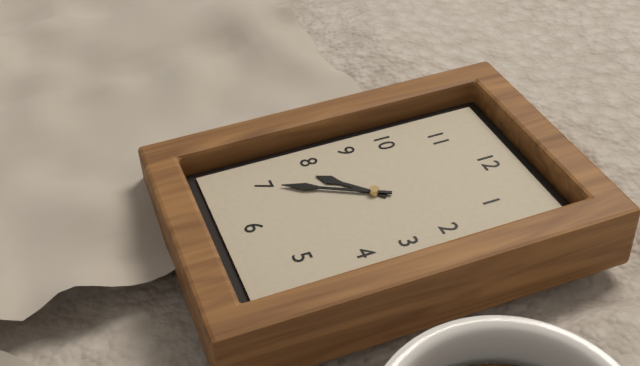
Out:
h=7 m=35
